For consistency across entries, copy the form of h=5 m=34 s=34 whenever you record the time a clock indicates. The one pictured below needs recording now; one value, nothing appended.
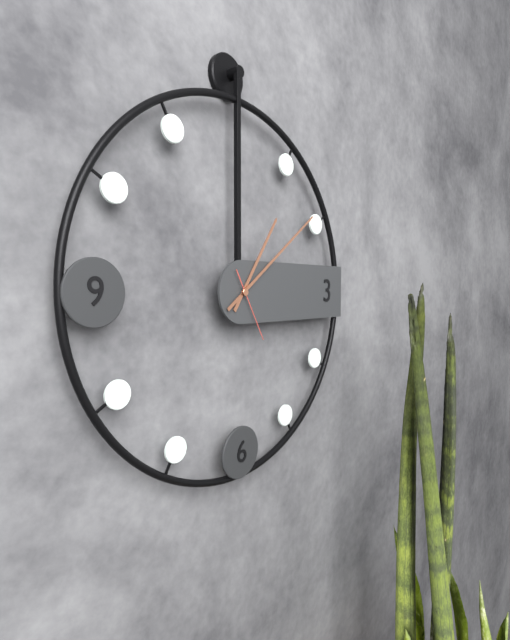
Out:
h=1 m=9 s=25
